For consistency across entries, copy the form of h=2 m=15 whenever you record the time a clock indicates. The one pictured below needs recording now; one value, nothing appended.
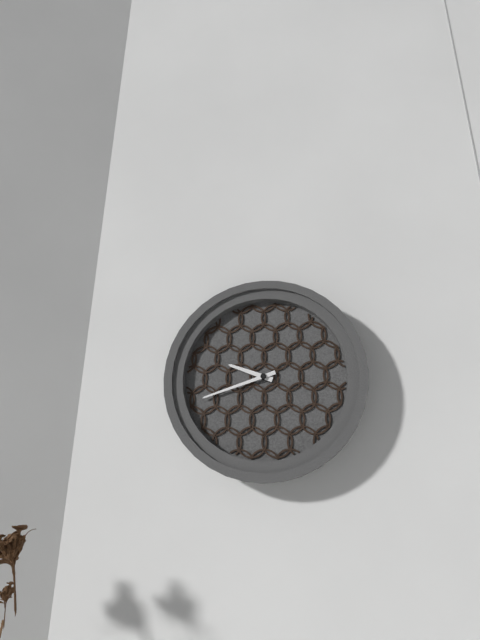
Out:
h=9 m=42
